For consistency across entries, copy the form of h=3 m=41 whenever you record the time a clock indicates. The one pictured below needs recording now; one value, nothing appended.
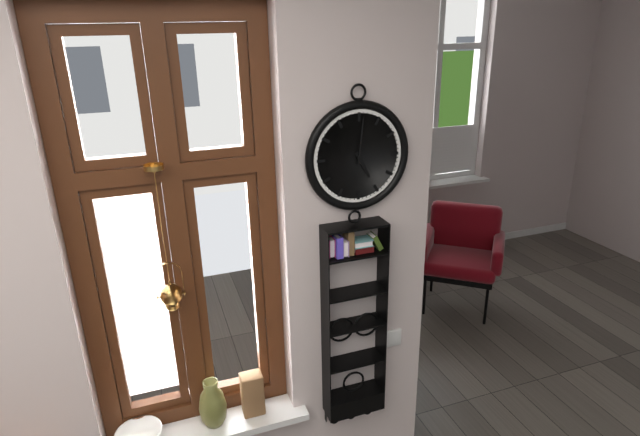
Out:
h=5 m=1
